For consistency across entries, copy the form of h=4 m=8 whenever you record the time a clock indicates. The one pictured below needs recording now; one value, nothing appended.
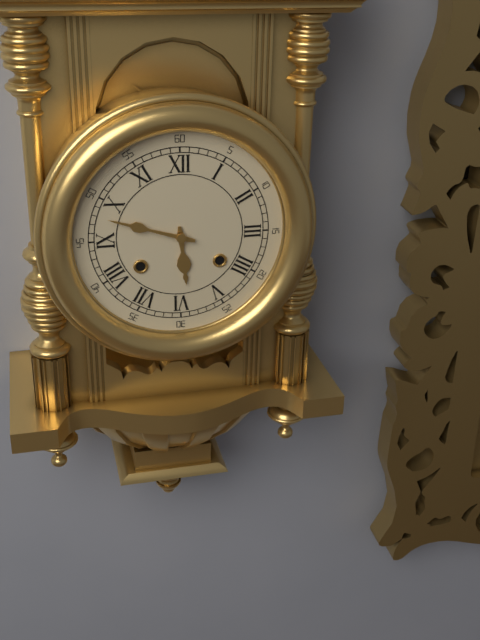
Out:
h=5 m=48
